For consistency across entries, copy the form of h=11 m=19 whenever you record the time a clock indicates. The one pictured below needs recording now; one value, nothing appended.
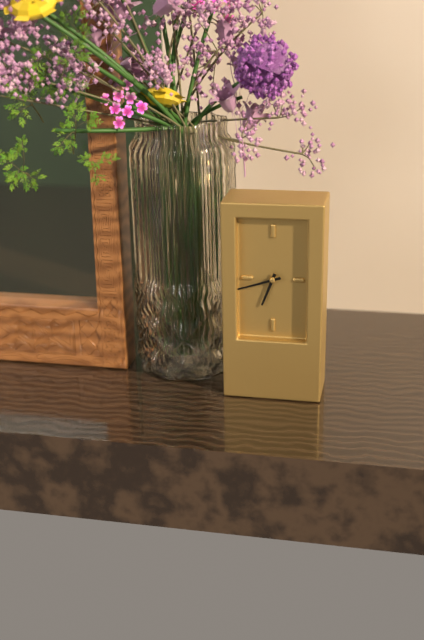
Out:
h=6 m=42
